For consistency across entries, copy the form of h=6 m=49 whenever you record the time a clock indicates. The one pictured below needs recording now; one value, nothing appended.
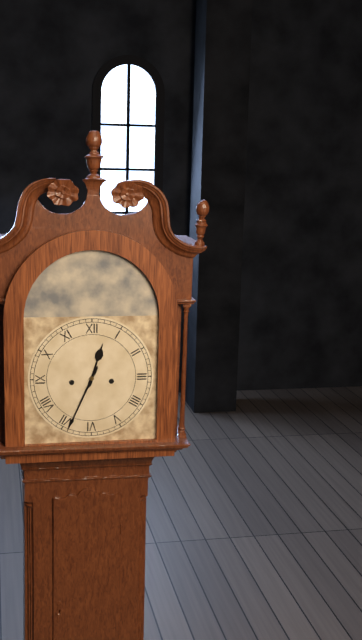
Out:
h=12 m=34
